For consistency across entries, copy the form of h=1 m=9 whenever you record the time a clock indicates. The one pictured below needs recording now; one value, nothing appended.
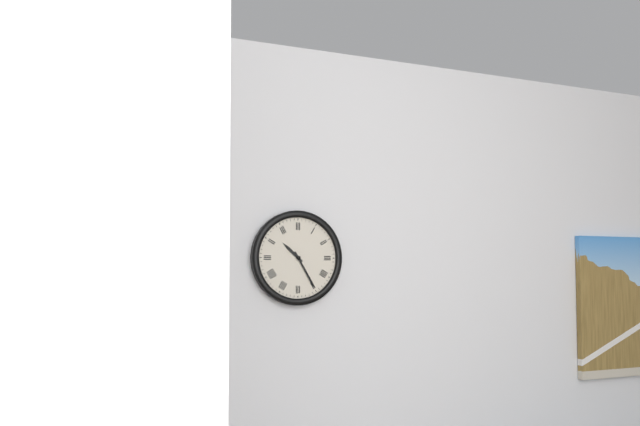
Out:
h=10 m=25
